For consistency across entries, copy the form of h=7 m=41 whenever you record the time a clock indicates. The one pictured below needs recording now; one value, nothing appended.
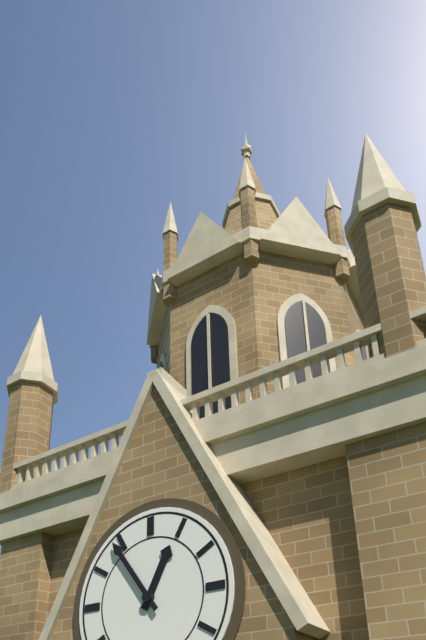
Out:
h=12 m=54
